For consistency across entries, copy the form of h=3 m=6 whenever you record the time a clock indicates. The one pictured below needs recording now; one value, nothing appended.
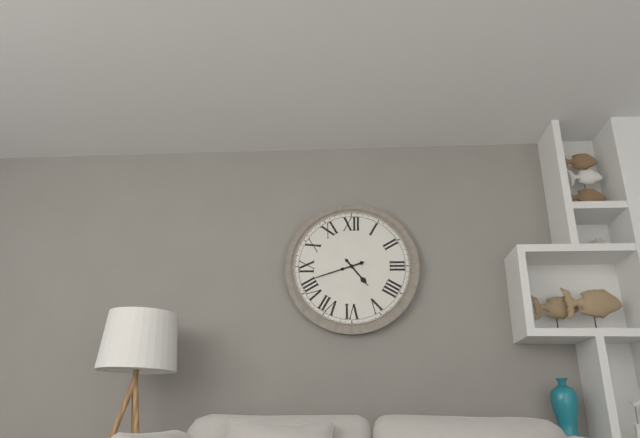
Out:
h=4 m=42
